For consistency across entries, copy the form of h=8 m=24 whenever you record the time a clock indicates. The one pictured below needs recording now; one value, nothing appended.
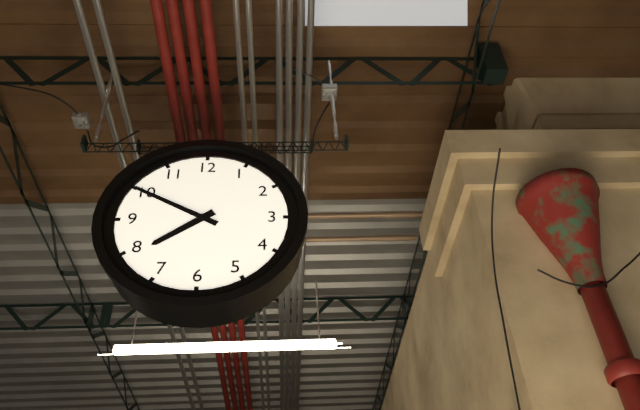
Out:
h=7 m=50
